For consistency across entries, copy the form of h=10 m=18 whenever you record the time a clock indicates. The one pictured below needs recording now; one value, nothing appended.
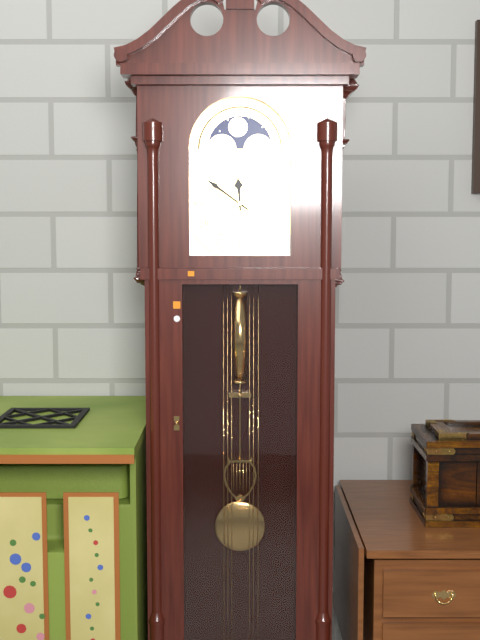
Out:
h=11 m=51
